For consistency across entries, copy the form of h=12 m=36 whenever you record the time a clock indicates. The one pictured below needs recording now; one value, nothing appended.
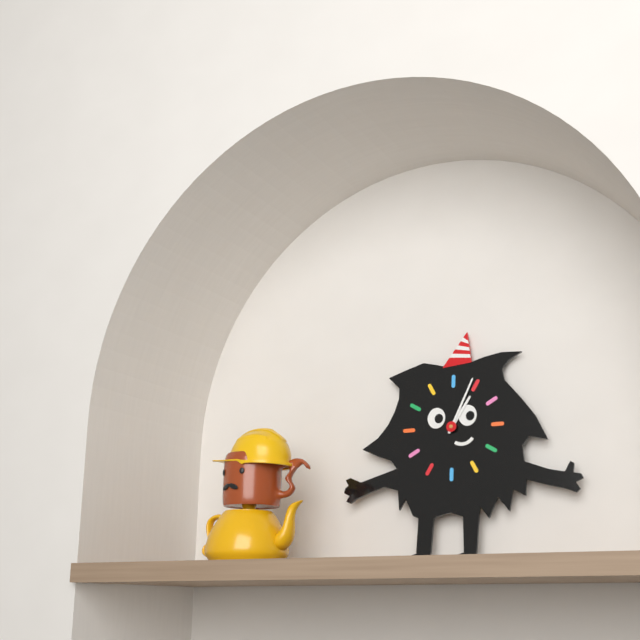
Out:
h=1 m=4
